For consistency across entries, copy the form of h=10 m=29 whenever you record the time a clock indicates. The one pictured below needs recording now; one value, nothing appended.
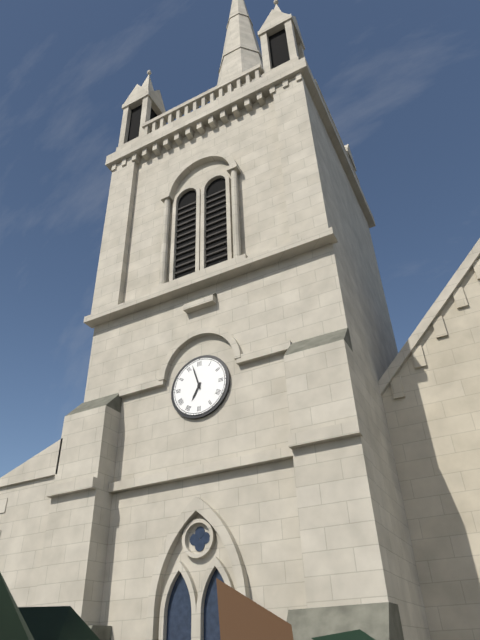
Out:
h=6 m=57
